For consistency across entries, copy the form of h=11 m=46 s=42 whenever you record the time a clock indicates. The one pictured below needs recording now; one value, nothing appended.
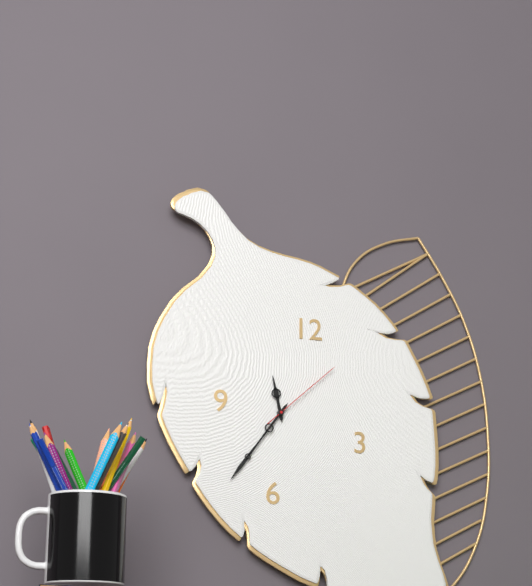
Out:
h=11 m=36 s=8
